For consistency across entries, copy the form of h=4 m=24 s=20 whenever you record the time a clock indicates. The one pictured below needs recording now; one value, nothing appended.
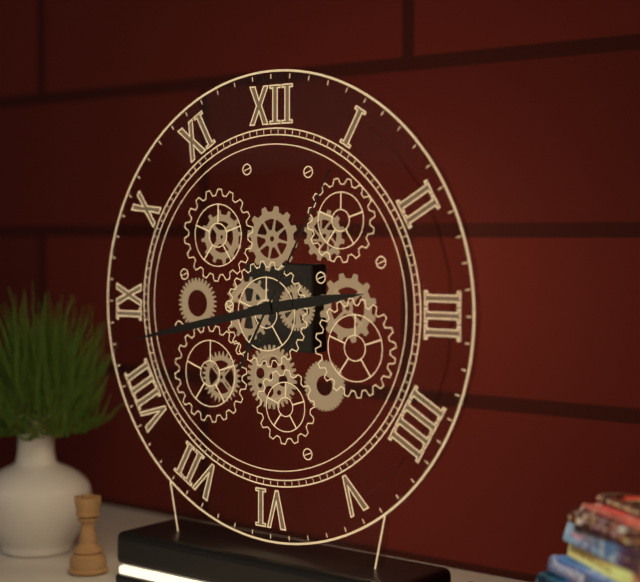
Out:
h=2 m=43 s=5
